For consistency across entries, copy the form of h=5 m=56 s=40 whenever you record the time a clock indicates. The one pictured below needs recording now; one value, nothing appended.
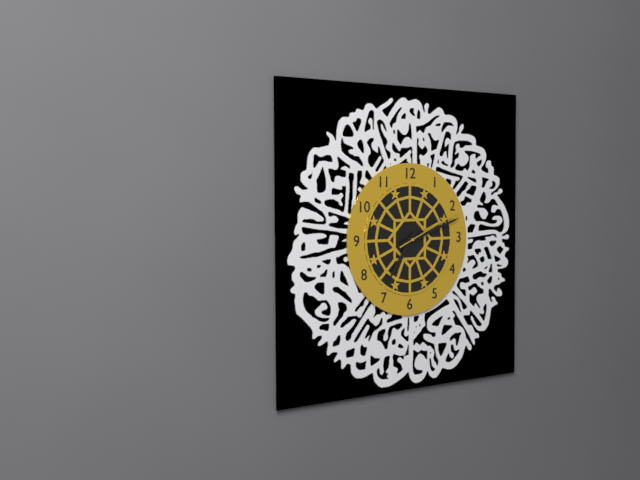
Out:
h=7 m=12 s=11
